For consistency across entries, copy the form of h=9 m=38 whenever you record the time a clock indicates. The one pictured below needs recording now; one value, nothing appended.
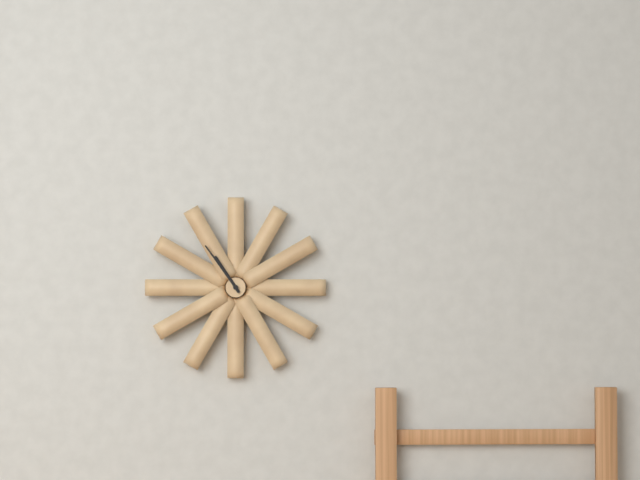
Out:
h=10 m=54
